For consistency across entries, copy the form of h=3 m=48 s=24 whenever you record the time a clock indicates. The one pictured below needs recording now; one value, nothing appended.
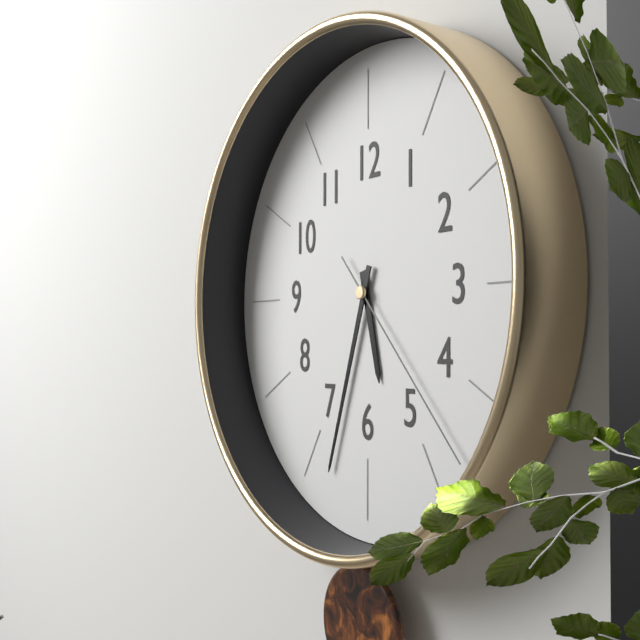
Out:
h=5 m=33 s=23
